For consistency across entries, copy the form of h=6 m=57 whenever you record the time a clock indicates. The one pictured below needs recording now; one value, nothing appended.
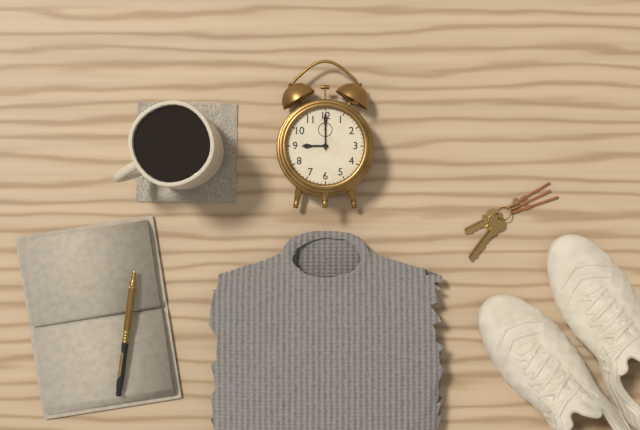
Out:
h=9 m=0
